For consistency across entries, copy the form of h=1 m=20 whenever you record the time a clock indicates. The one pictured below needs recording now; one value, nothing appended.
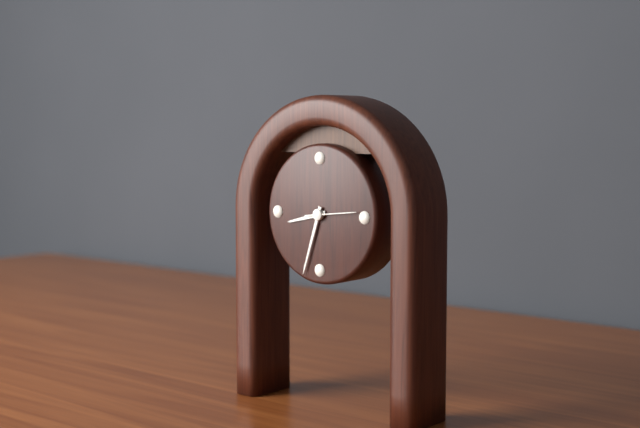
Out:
h=8 m=33
